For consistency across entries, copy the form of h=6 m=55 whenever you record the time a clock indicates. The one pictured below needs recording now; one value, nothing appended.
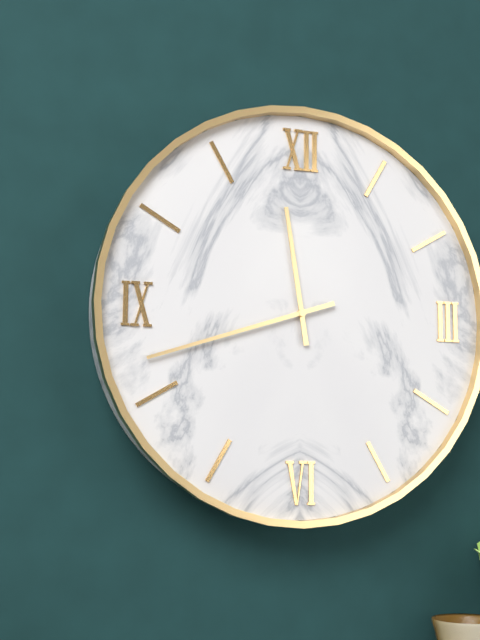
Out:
h=11 m=42
